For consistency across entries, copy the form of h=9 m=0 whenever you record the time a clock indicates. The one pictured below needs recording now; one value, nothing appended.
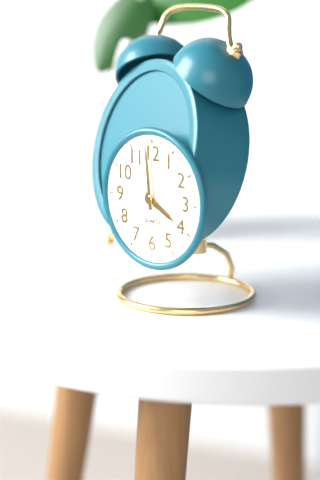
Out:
h=3 m=59
